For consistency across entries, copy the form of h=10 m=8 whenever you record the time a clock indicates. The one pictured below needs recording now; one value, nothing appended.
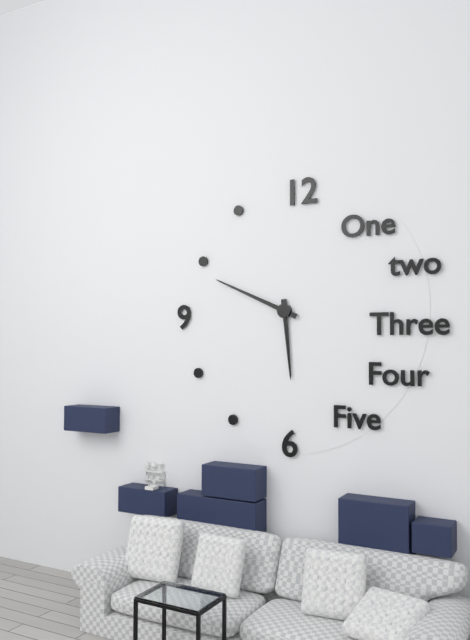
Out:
h=5 m=49
